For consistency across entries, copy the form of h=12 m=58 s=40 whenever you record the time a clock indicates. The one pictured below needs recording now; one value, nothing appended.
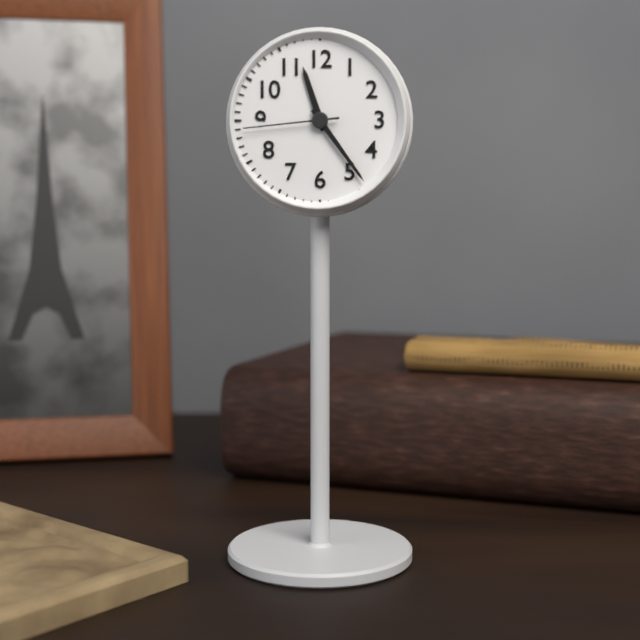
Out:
h=11 m=24 s=44
